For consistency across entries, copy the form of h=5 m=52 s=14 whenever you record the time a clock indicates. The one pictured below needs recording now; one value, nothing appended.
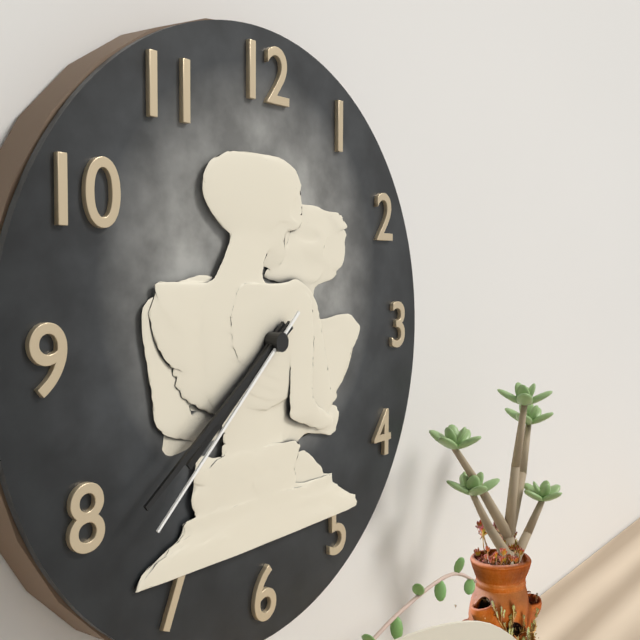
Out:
h=7 m=39 s=38
